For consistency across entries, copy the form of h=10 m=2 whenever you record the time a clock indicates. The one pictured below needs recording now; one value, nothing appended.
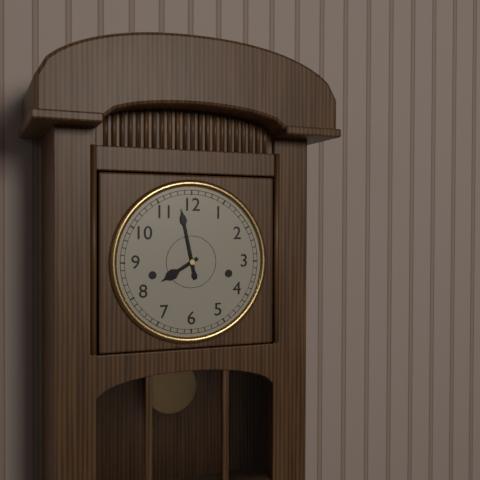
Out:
h=7 m=58
